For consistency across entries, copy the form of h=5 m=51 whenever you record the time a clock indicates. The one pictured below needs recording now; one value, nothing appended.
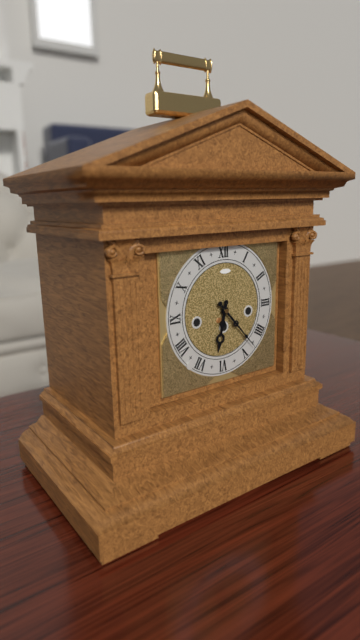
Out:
h=6 m=23
